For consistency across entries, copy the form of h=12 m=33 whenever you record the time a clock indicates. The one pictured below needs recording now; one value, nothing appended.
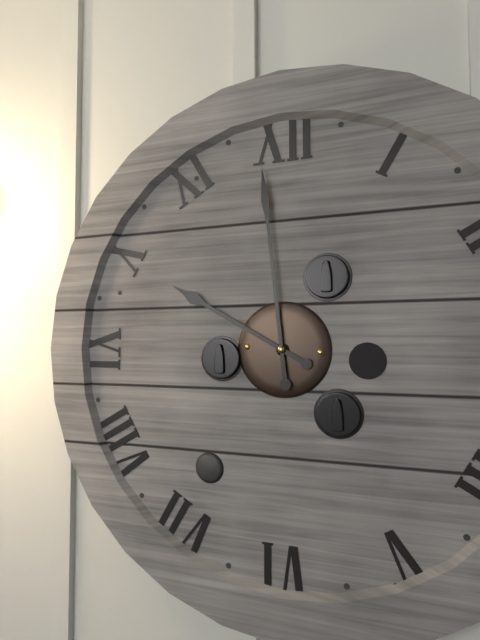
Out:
h=9 m=59
